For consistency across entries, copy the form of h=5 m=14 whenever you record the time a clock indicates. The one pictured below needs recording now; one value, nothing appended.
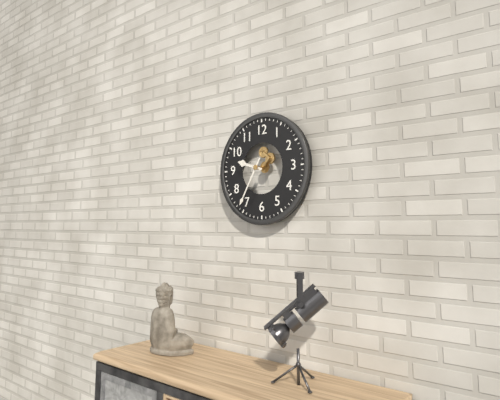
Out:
h=9 m=35
